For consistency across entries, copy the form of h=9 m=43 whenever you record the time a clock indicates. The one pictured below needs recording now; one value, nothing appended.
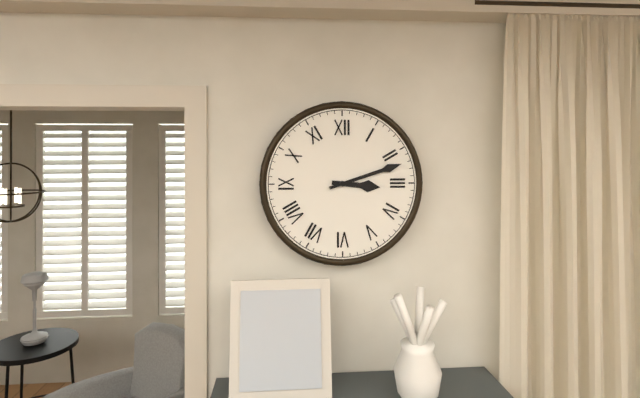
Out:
h=3 m=12
